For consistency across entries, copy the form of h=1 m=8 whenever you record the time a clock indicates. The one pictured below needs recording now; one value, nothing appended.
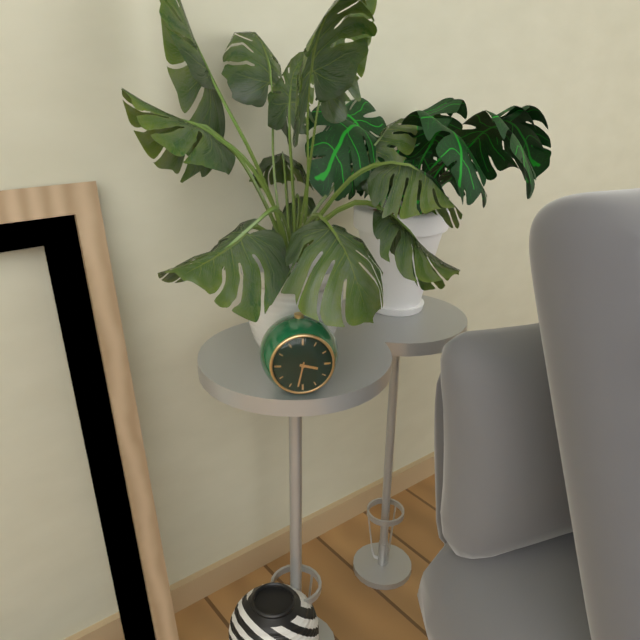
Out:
h=3 m=32
